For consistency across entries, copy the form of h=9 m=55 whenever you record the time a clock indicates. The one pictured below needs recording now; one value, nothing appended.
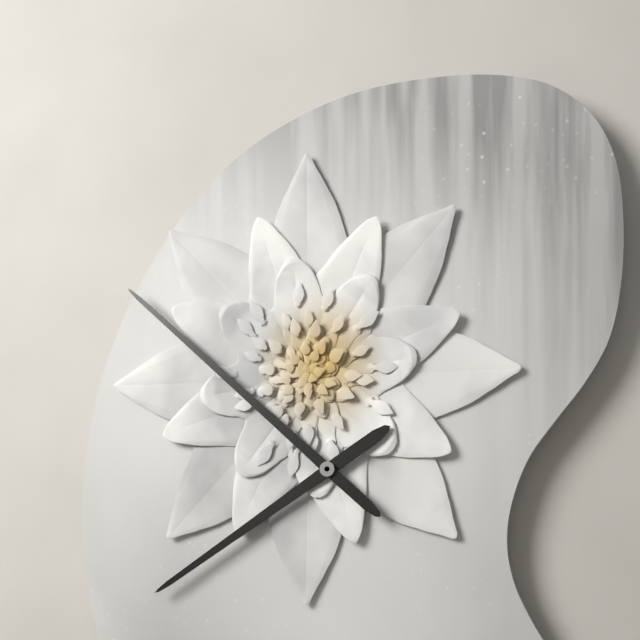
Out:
h=7 m=52
